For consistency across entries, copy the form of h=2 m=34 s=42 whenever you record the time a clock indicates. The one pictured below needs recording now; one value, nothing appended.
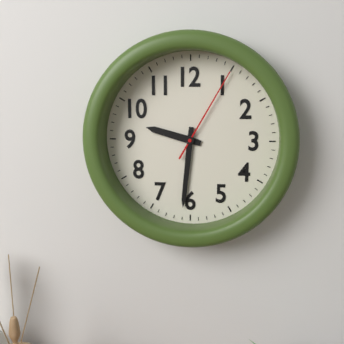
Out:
h=9 m=31 s=5
